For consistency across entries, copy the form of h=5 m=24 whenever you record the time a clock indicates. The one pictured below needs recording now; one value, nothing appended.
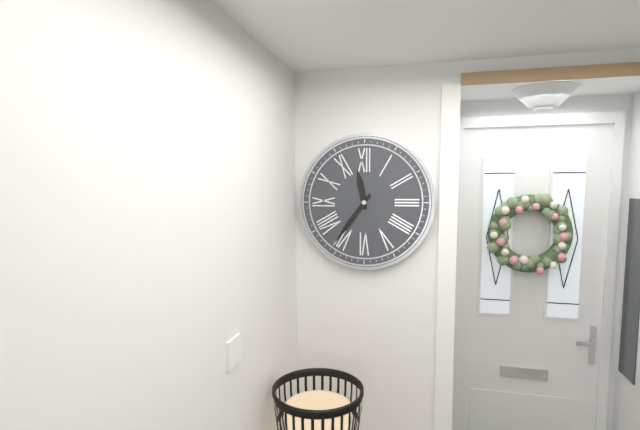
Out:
h=11 m=36
